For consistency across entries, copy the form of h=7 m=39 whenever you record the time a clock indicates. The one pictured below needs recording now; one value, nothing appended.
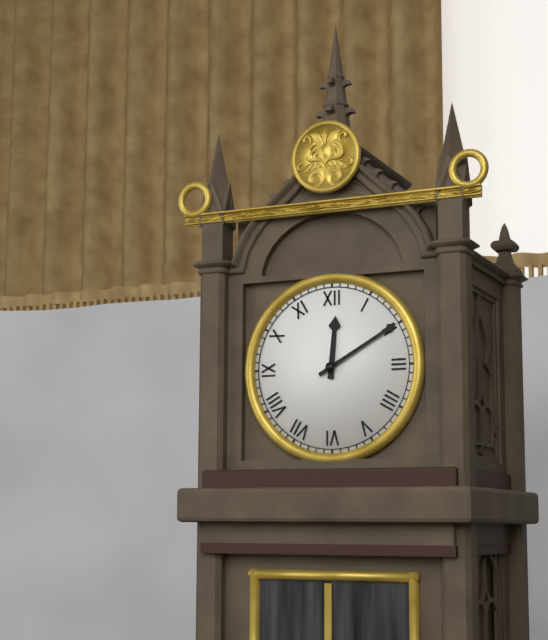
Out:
h=12 m=10
